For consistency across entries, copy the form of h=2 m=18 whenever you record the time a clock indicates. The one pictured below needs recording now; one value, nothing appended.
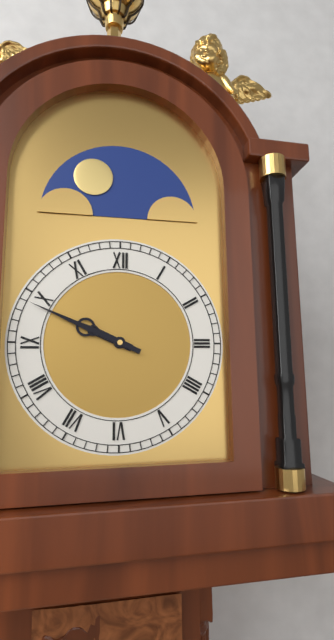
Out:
h=9 m=49
